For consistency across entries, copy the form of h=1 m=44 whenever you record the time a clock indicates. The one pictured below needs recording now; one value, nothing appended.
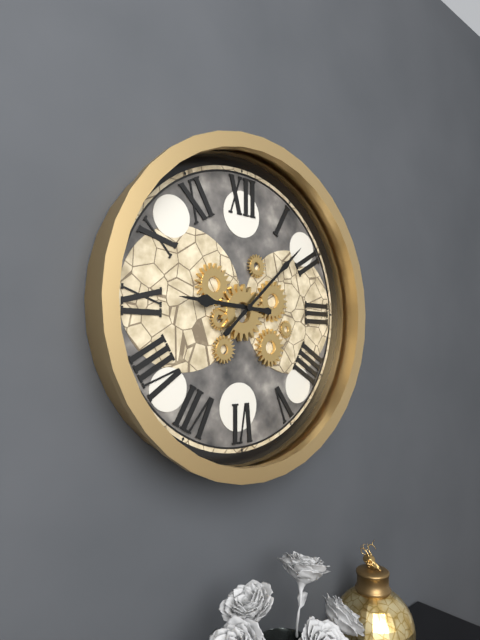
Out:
h=9 m=8
